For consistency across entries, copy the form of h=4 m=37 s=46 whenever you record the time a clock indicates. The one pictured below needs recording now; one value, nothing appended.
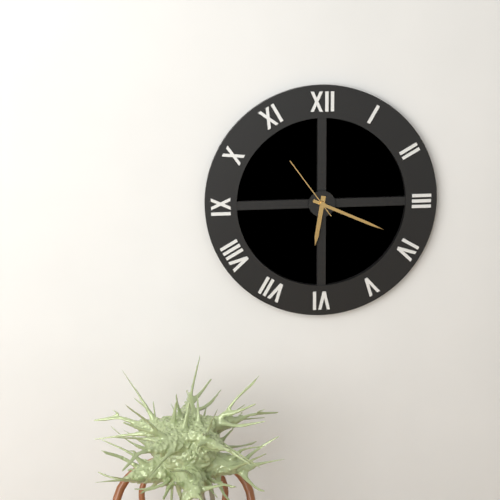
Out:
h=6 m=19 s=54
